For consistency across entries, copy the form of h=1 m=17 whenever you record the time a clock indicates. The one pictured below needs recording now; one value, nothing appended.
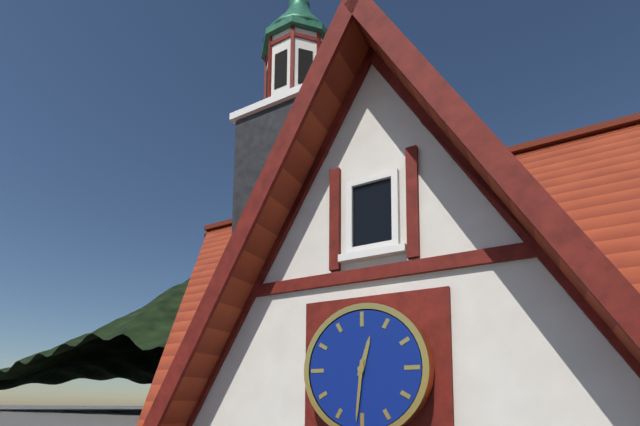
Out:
h=12 m=31
